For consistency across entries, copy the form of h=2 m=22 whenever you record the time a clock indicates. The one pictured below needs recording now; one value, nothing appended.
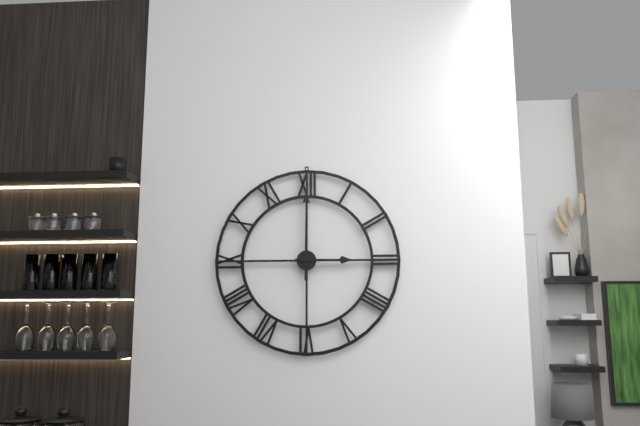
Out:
h=3 m=0
